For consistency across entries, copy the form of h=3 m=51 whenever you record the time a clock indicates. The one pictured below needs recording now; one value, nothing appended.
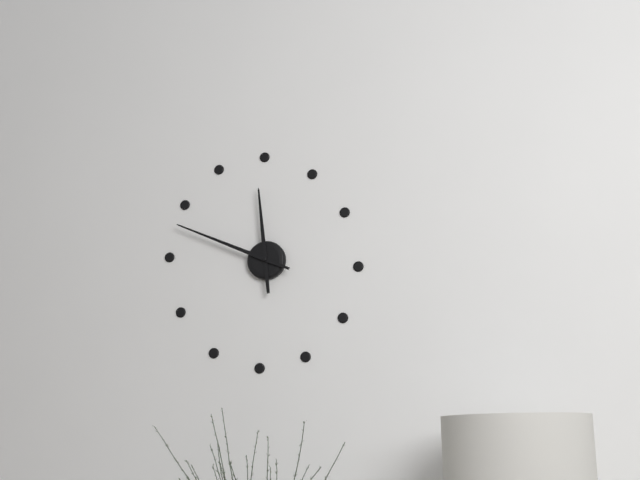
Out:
h=11 m=49
